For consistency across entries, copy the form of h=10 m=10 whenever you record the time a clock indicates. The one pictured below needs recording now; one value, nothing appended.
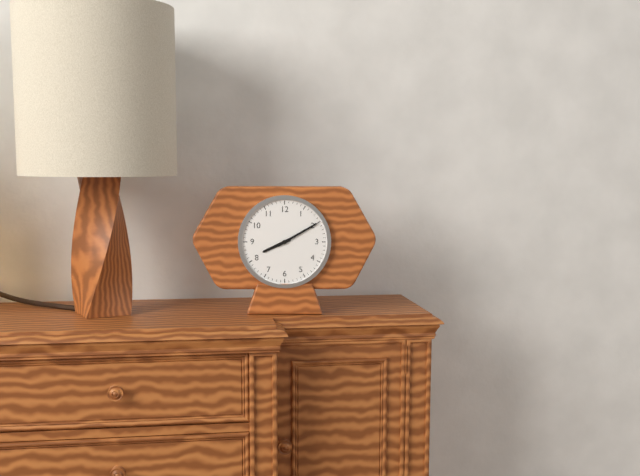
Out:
h=8 m=10
